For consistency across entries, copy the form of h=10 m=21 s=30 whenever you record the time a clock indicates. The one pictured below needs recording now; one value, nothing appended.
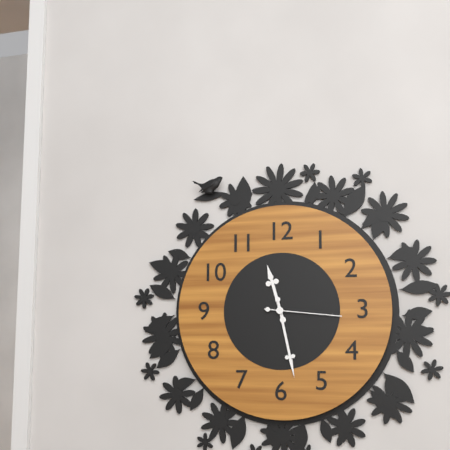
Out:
h=11 m=28 s=16
